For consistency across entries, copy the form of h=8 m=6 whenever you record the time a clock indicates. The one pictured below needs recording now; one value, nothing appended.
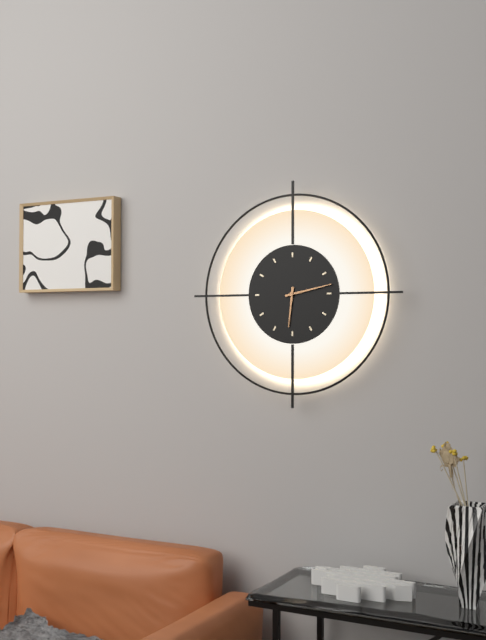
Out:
h=6 m=13
